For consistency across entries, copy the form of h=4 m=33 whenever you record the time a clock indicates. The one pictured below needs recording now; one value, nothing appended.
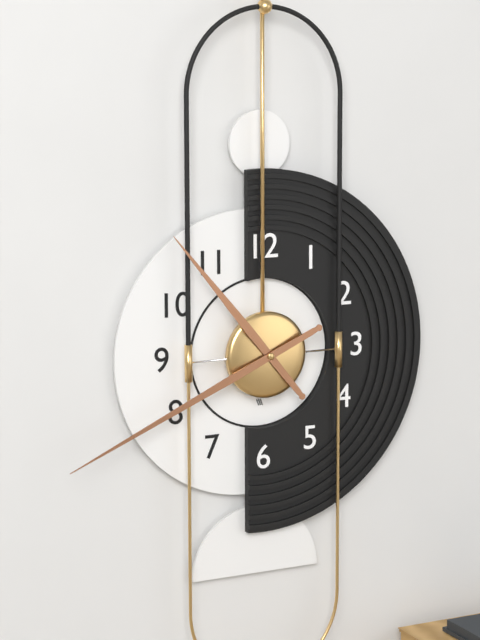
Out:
h=10 m=41
